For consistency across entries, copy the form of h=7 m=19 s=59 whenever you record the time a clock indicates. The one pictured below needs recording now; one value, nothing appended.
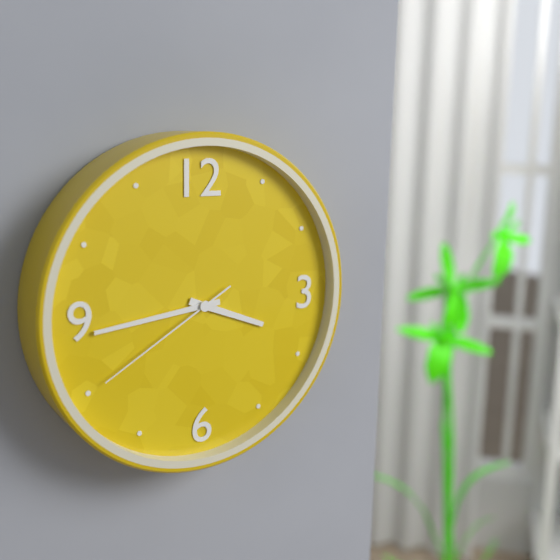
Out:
h=3 m=44 s=40
